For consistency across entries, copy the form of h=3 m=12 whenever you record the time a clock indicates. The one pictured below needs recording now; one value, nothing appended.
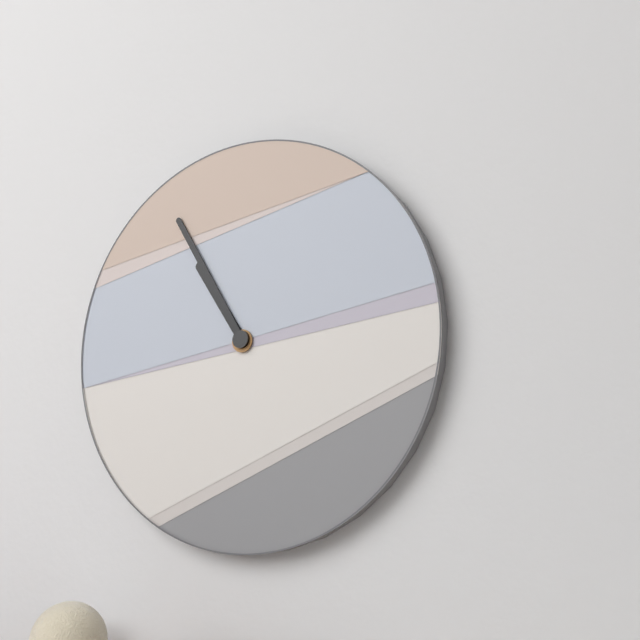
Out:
h=10 m=55
